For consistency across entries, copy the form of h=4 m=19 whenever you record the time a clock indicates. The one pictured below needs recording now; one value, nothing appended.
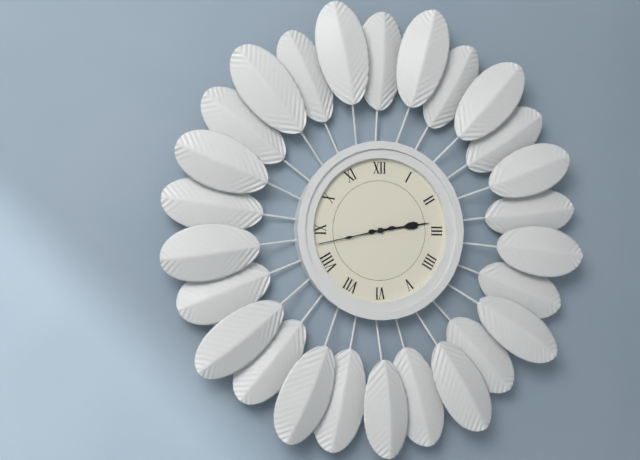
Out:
h=2 m=43
